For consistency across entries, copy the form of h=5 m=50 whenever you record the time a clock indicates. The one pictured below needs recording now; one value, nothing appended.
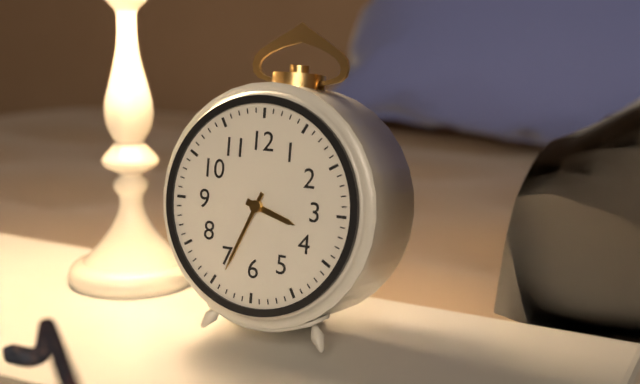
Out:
h=3 m=34
